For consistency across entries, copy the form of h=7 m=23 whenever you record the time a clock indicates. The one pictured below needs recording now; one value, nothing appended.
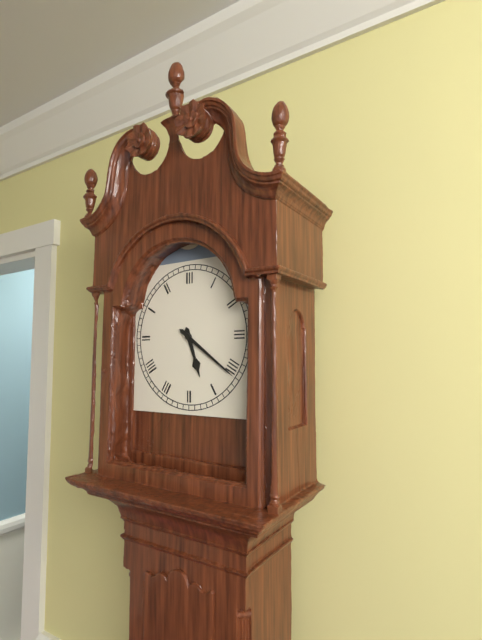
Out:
h=5 m=21
